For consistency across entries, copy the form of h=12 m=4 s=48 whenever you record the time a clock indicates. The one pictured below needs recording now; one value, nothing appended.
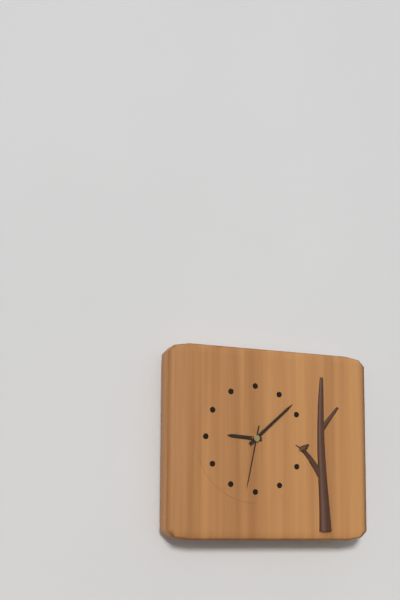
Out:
h=9 m=8 s=32
